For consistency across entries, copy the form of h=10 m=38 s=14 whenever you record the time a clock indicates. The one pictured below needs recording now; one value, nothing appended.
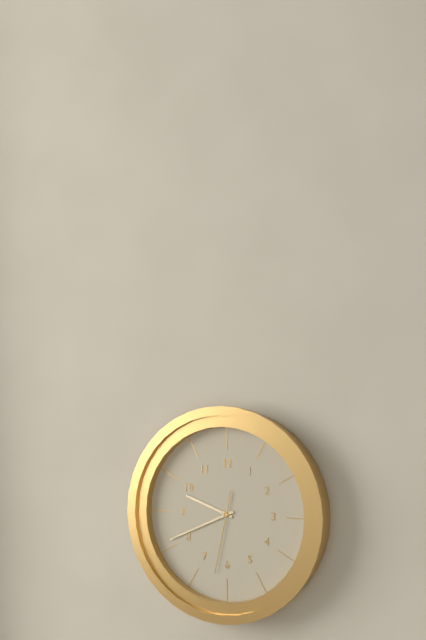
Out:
h=9 m=41 s=32
